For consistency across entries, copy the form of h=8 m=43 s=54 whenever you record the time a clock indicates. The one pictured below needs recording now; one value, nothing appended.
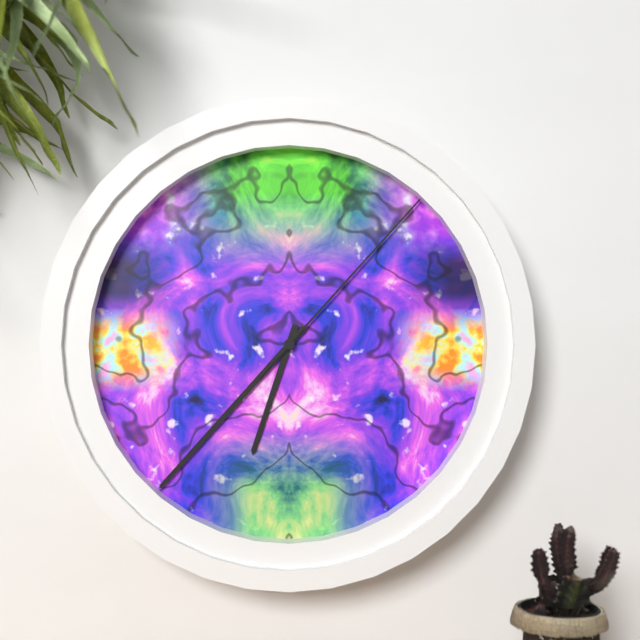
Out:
h=6 m=37 s=7
